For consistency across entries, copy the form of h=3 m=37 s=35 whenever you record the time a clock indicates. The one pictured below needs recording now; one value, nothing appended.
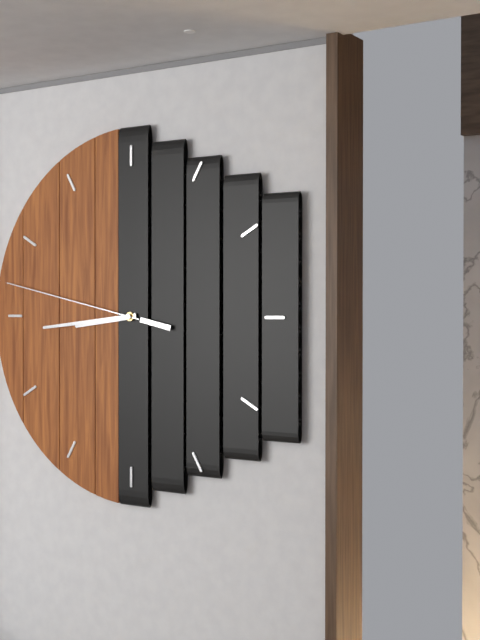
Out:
h=8 m=44 s=47
